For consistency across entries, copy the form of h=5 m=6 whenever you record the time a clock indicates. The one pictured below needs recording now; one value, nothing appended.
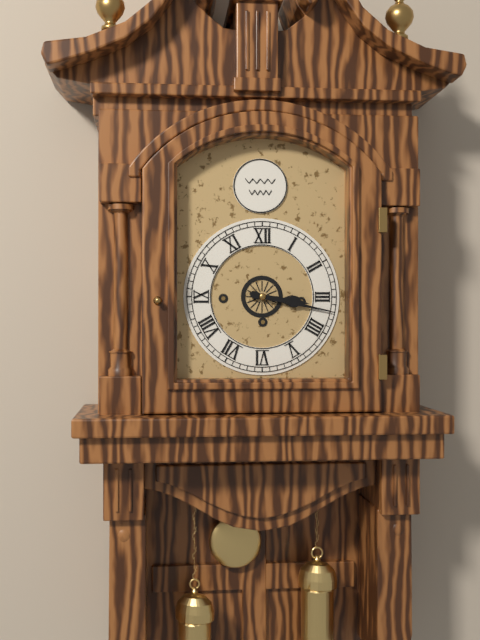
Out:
h=3 m=17
